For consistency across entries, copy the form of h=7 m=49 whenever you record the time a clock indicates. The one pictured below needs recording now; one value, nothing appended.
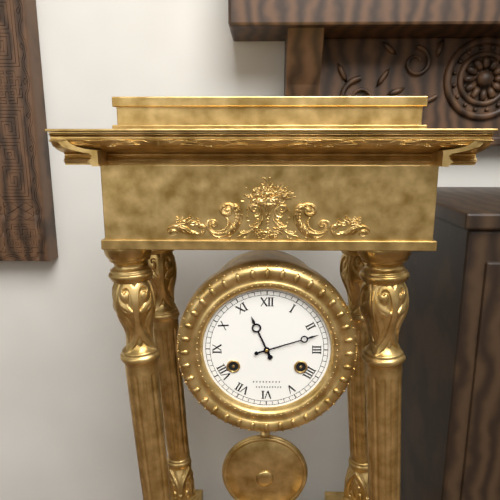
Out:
h=11 m=12
